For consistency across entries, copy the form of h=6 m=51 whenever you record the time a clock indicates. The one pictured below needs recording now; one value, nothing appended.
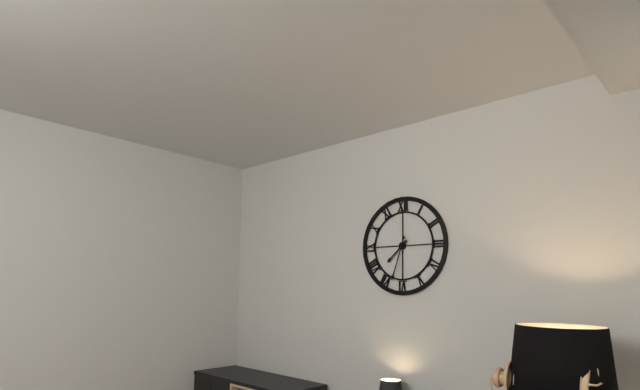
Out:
h=7 m=33
